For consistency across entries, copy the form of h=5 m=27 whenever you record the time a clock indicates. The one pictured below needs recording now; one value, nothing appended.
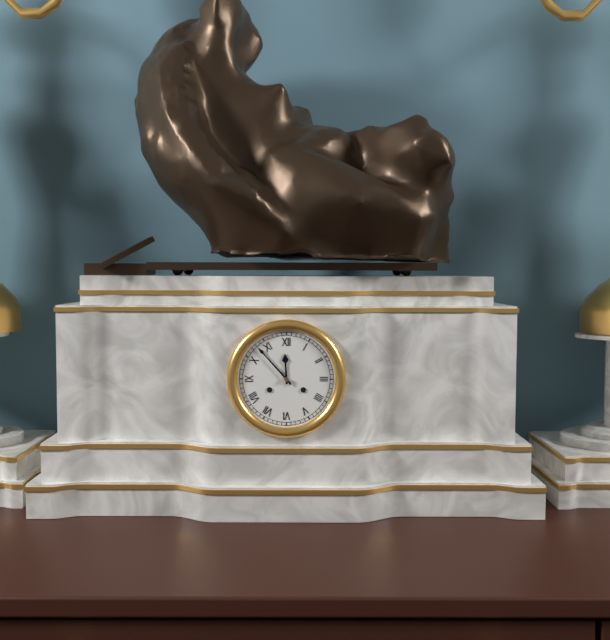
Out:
h=11 m=53
